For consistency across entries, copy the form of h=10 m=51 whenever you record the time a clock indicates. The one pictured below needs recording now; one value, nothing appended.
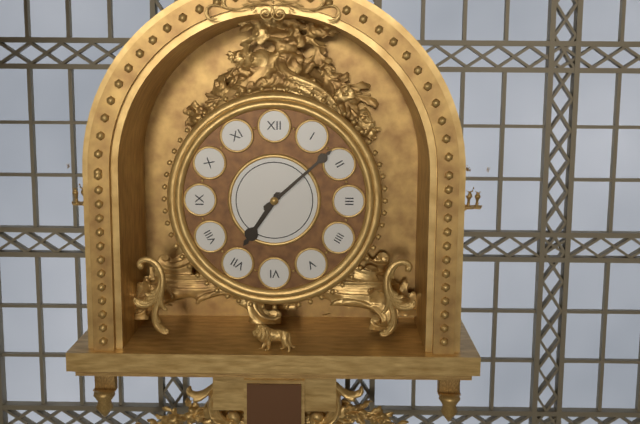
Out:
h=7 m=8
